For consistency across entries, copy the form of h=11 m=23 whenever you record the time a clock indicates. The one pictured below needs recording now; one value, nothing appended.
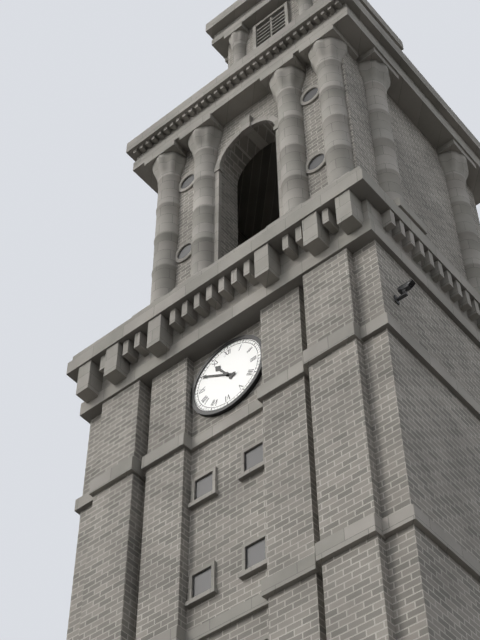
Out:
h=10 m=50
